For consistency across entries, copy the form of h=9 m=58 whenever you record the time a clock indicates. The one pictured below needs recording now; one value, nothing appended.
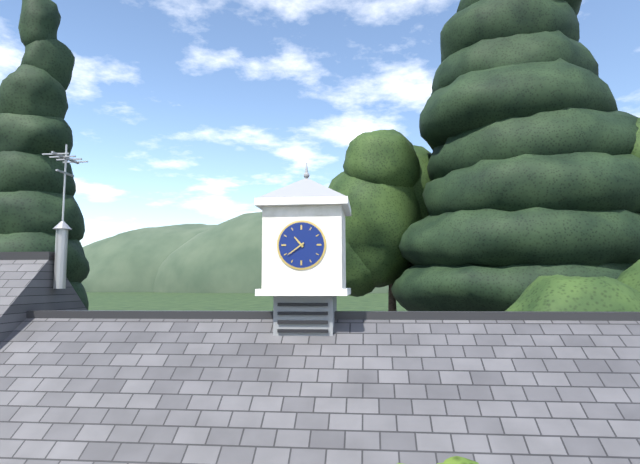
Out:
h=10 m=39
